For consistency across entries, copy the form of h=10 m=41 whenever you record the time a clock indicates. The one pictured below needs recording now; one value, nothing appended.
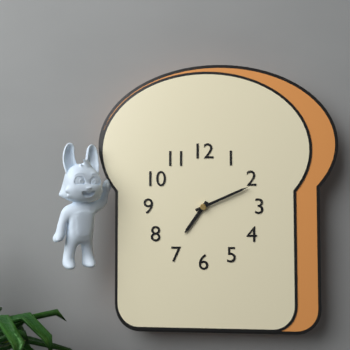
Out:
h=7 m=11
